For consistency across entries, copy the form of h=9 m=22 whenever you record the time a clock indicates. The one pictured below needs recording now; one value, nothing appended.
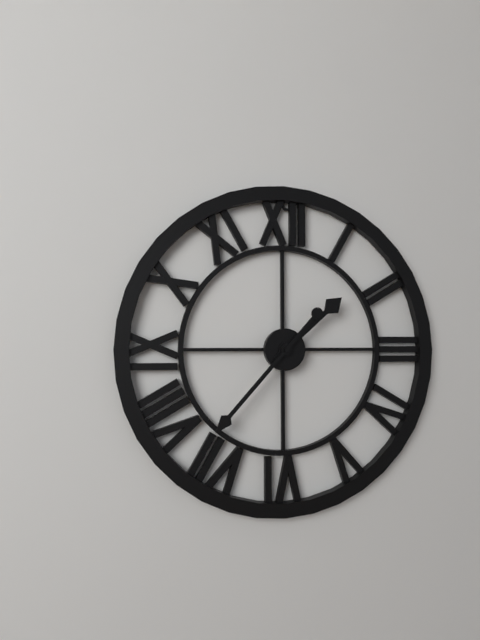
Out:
h=1 m=37
